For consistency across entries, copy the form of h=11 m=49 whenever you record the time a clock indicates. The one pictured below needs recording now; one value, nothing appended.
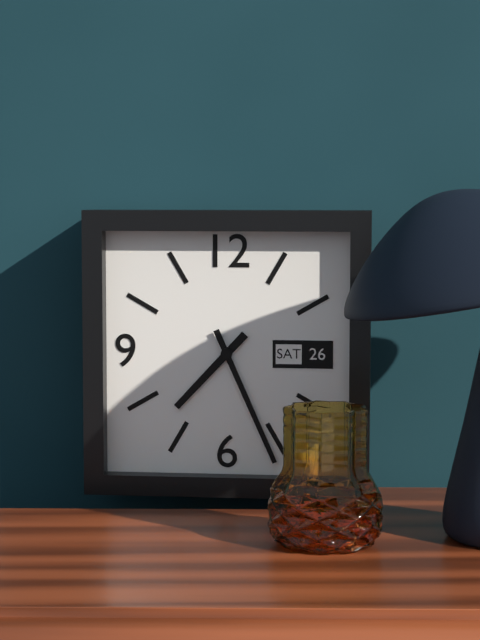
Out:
h=7 m=26
